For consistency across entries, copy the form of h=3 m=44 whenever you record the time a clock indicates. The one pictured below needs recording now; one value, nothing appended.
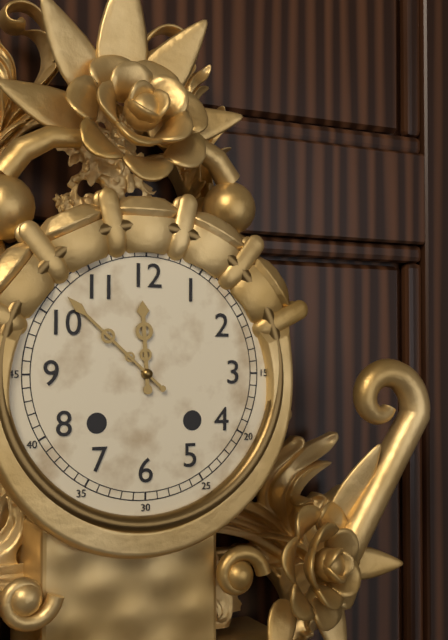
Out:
h=11 m=52
